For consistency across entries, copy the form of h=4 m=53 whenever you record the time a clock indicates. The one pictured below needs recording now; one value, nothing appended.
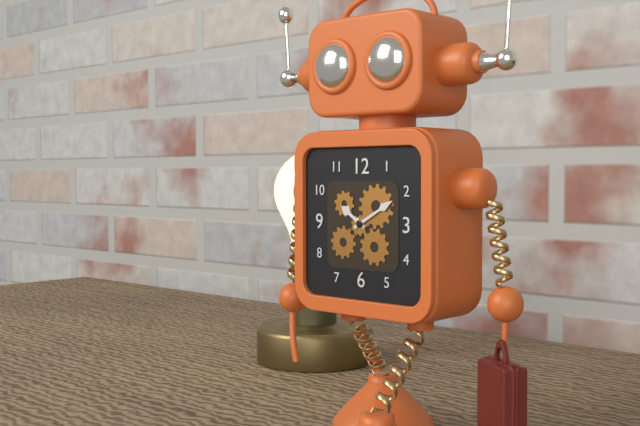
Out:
h=10 m=10
